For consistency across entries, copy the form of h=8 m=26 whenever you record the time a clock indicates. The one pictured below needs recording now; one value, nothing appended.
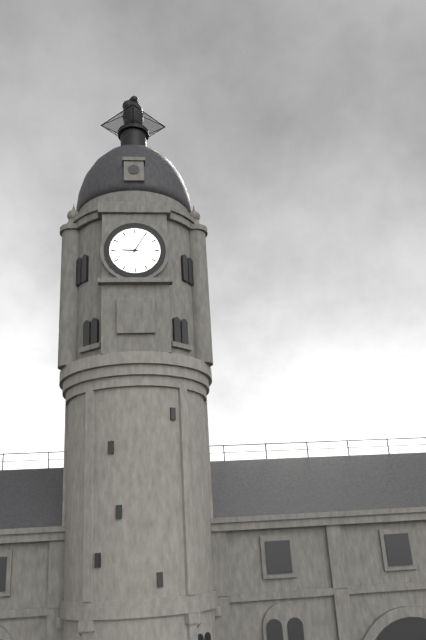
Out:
h=9 m=5
